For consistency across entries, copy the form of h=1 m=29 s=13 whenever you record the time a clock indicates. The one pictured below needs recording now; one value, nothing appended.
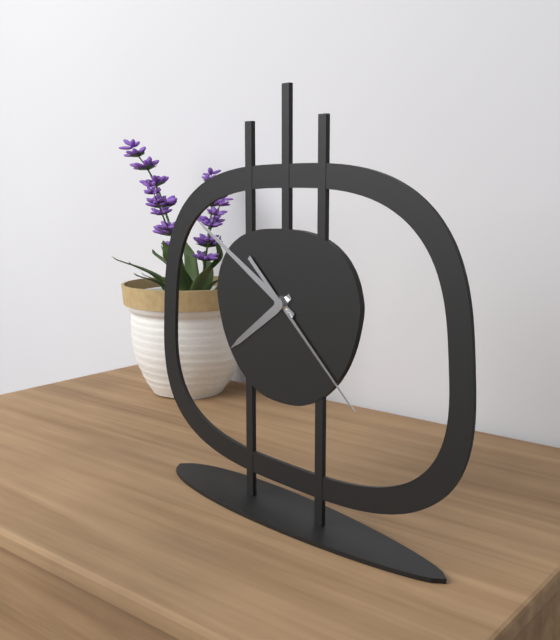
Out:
h=7 m=50 s=22
